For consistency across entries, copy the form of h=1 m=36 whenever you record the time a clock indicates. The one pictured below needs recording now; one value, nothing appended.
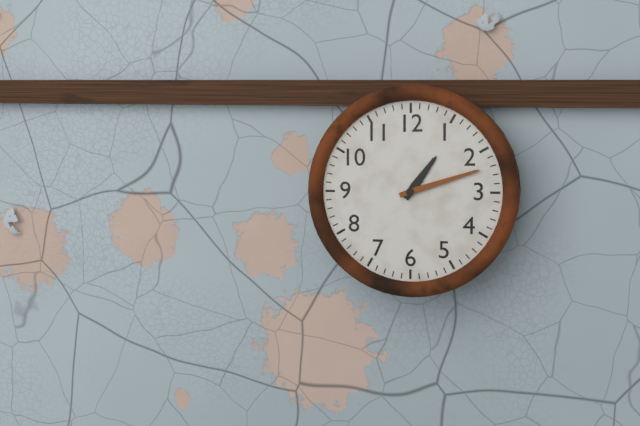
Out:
h=1 m=12
